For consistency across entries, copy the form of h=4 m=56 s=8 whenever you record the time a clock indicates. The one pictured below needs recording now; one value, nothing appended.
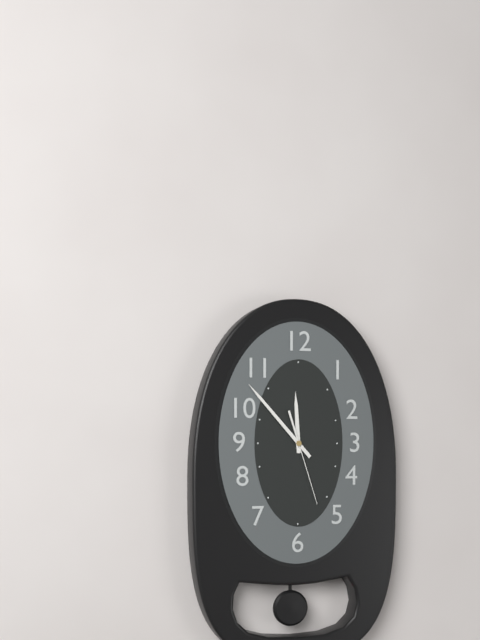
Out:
h=11 m=53 s=27
